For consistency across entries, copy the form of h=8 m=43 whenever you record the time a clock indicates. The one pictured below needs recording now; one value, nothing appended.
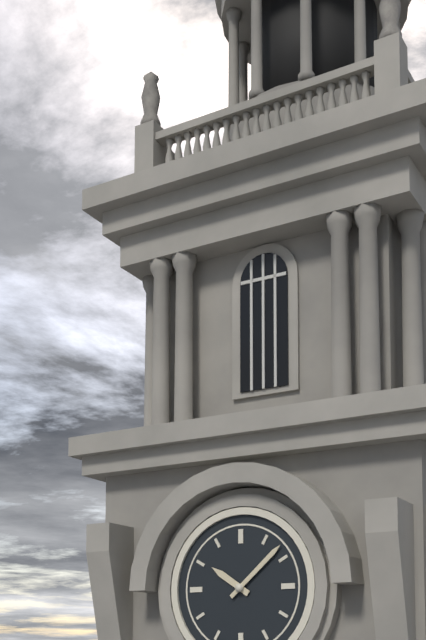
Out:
h=10 m=8
